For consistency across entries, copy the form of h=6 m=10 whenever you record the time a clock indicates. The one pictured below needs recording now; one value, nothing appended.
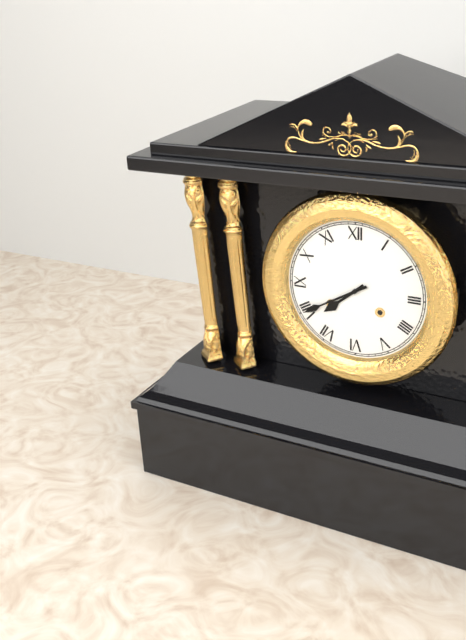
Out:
h=7 m=40
